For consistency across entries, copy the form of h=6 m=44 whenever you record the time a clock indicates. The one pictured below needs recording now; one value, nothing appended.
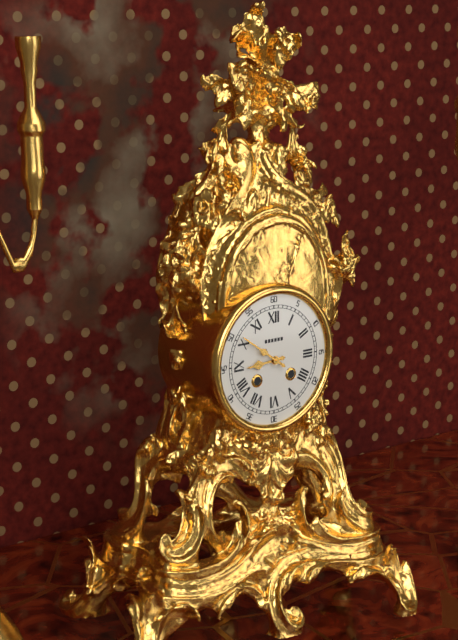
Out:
h=8 m=51
